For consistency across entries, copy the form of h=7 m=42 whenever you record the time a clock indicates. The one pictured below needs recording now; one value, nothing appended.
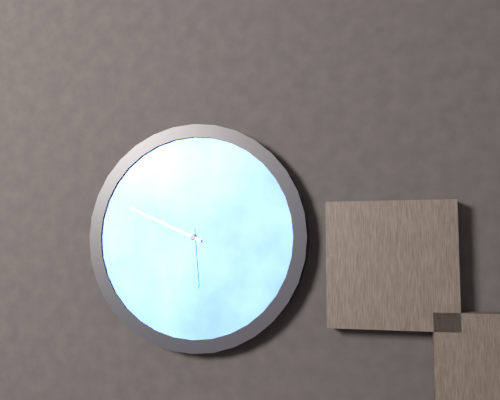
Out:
h=5 m=49
